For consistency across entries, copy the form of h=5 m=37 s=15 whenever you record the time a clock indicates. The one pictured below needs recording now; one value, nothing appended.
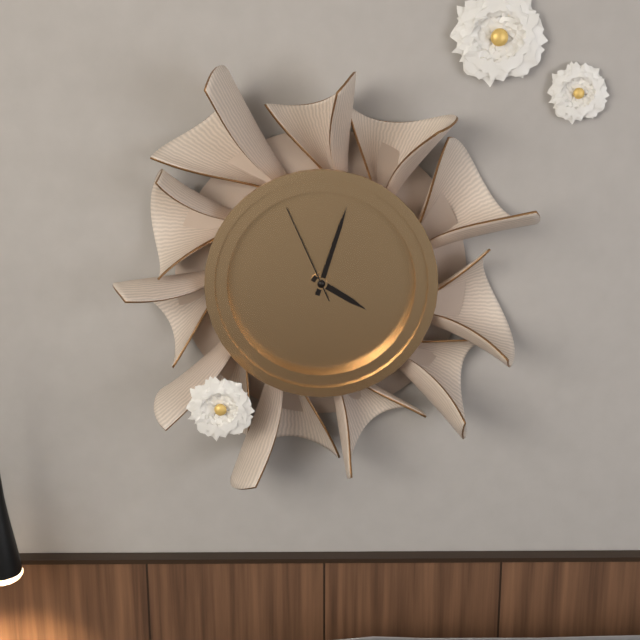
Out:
h=4 m=3 s=56
